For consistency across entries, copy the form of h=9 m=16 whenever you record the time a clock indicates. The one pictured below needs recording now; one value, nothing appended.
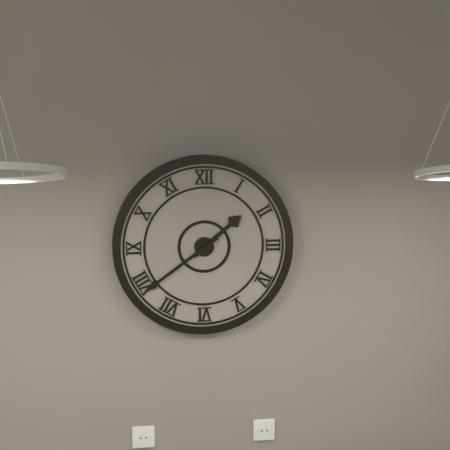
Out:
h=1 m=39
